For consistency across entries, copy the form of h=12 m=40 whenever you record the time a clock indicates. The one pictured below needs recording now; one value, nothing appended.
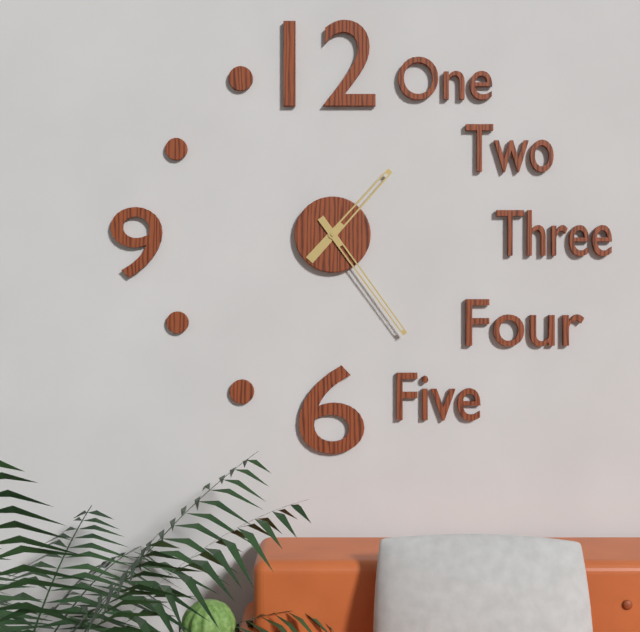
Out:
h=1 m=24
